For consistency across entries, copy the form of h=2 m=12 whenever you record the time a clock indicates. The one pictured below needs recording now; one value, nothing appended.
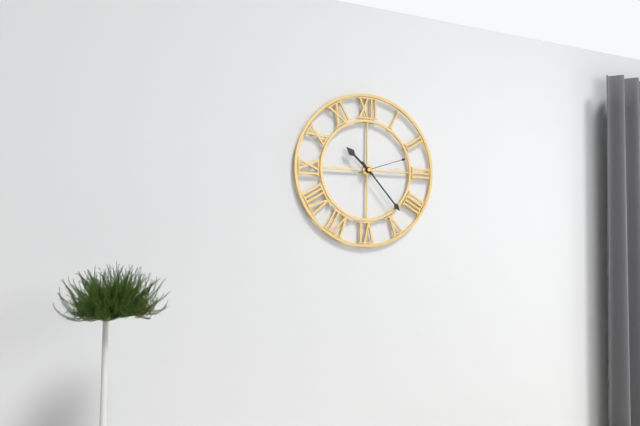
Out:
h=10 m=23
